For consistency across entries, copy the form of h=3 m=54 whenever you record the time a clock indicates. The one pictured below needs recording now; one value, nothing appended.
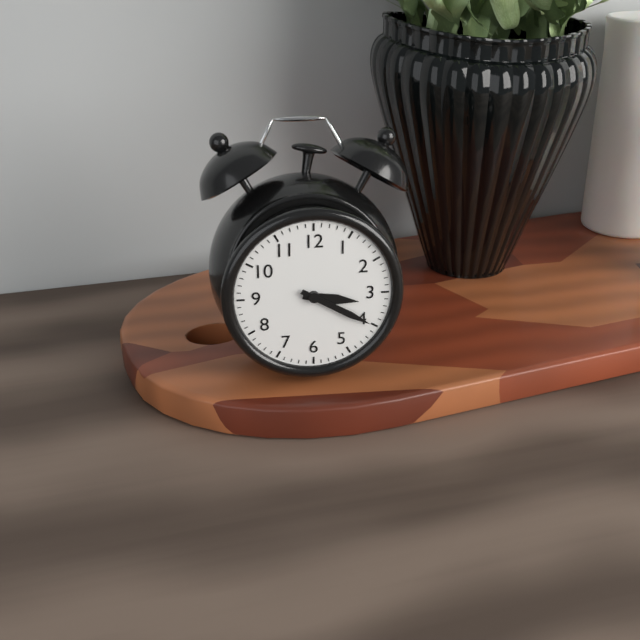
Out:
h=3 m=20
